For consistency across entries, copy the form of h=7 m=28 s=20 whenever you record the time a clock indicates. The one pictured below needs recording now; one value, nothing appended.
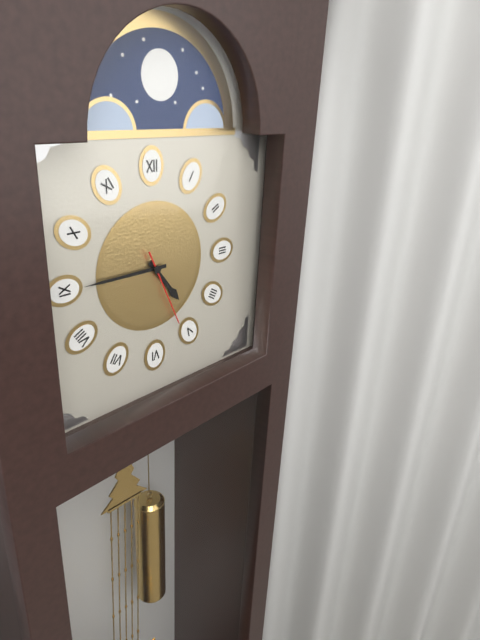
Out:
h=4 m=45 s=26
